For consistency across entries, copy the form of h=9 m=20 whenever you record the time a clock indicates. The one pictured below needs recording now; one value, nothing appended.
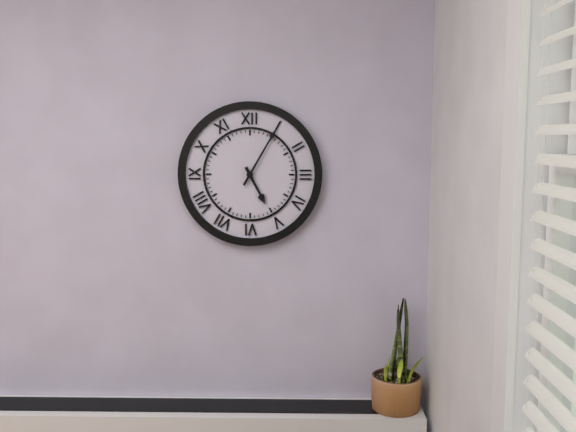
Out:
h=5 m=5
